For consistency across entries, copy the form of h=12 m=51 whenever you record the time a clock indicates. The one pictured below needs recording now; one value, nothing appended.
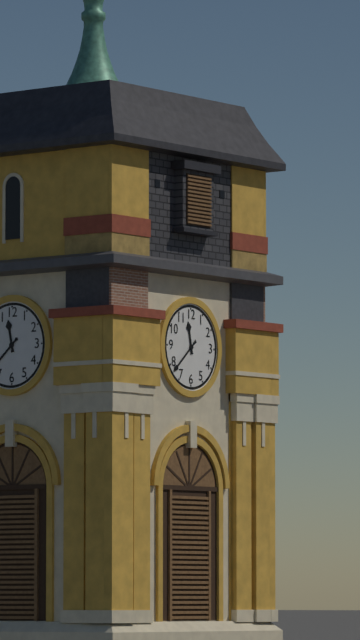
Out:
h=11 m=38
